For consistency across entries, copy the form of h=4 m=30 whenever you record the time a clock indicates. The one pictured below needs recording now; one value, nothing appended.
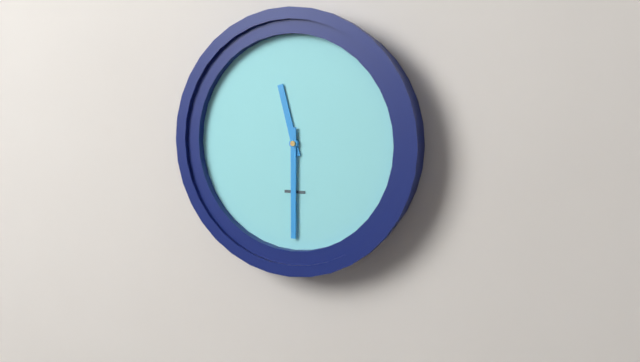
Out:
h=11 m=30
